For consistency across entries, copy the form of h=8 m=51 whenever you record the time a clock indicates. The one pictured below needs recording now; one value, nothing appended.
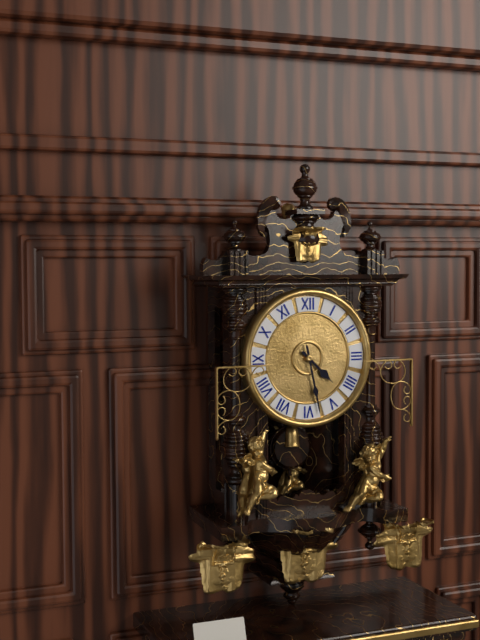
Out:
h=4 m=28
